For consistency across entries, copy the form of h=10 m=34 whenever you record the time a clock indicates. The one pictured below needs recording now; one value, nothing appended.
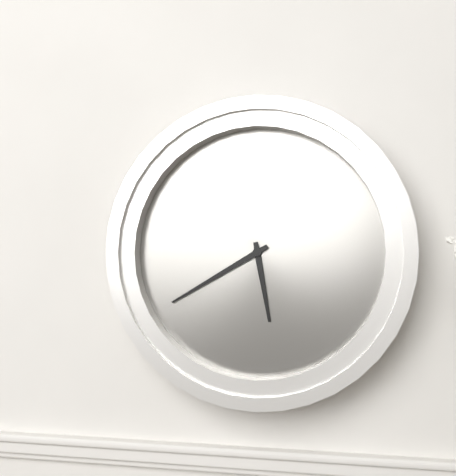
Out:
h=5 m=40
